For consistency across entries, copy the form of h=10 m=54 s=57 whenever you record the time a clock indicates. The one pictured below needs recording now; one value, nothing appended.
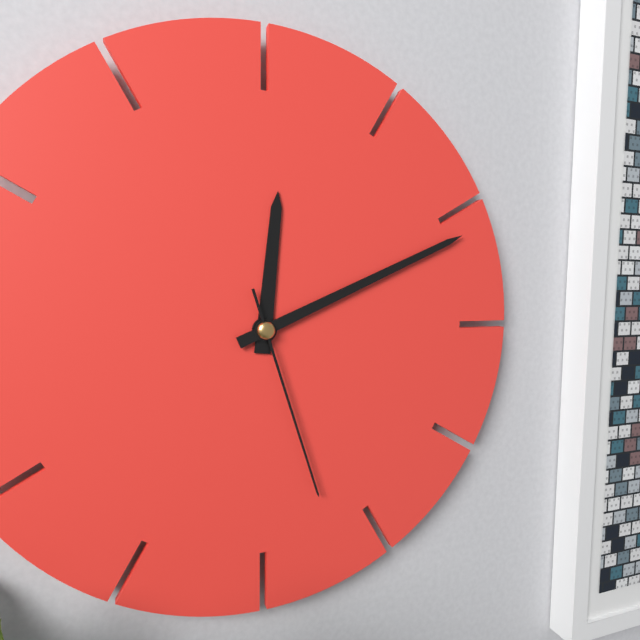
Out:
h=12 m=11 s=27
